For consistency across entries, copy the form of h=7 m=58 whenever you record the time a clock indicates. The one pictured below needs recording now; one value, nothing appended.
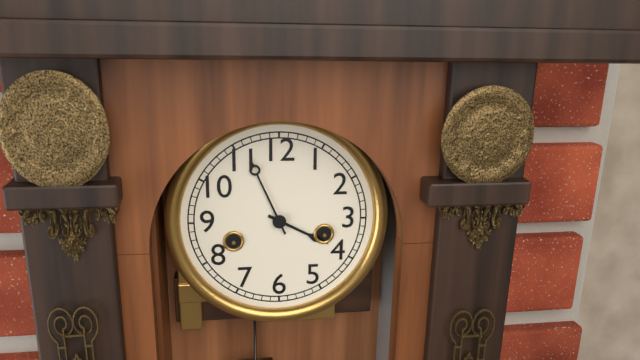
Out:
h=3 m=56
